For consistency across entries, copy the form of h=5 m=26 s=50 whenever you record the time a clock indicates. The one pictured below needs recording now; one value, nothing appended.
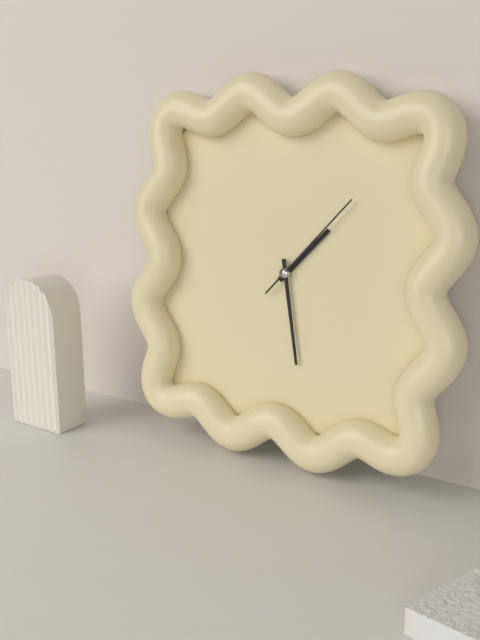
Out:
h=1 m=28 s=7
